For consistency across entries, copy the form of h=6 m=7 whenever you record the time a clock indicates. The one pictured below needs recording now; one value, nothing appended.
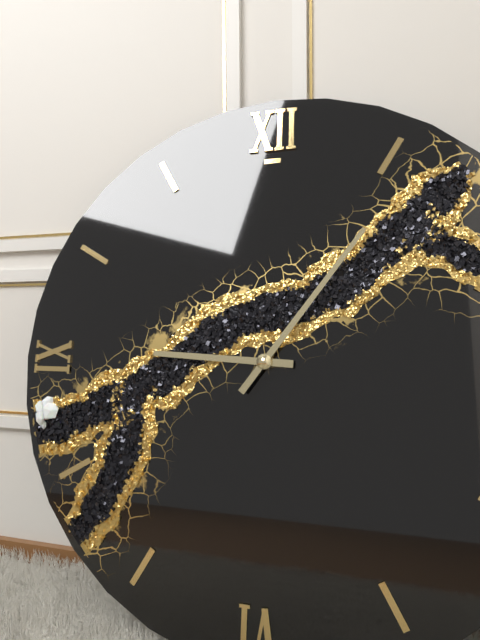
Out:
h=9 m=6
